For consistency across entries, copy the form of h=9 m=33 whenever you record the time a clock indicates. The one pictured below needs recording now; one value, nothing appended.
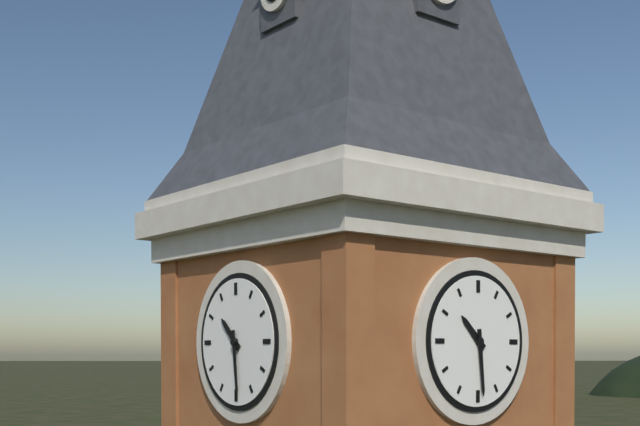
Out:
h=10 m=29
